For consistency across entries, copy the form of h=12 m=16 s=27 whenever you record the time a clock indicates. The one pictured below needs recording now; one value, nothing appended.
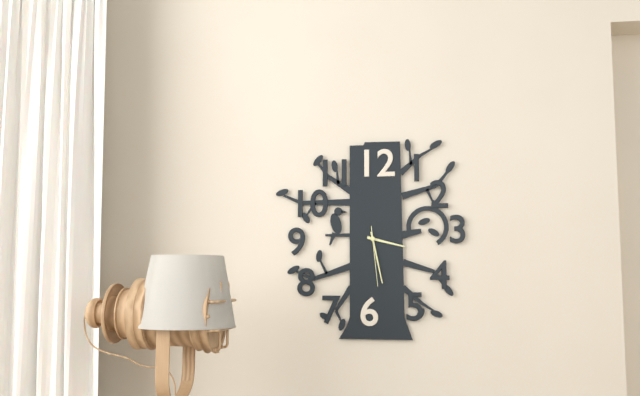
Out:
h=3 m=28 s=29
